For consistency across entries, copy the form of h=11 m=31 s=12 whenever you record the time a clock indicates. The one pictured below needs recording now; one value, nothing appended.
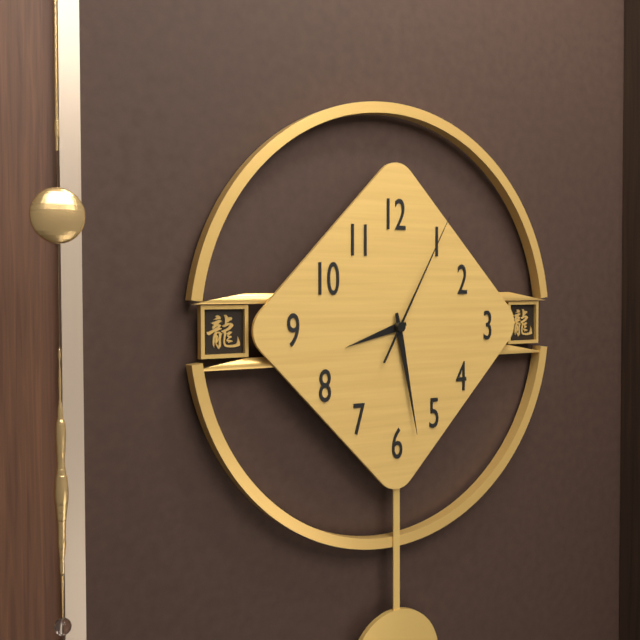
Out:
h=8 m=28 s=5
